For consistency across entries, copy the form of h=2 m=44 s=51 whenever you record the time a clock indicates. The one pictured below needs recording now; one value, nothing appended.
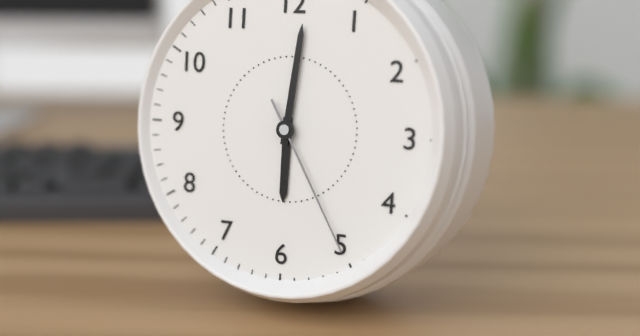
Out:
h=6 m=1 s=25
